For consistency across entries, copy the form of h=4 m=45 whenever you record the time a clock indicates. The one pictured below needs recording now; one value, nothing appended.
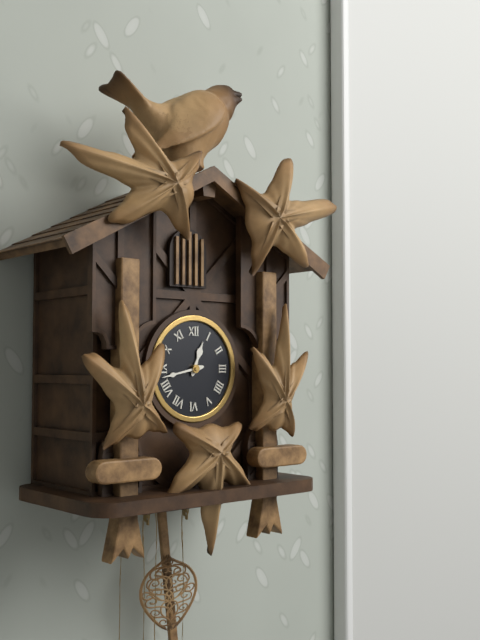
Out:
h=12 m=43
